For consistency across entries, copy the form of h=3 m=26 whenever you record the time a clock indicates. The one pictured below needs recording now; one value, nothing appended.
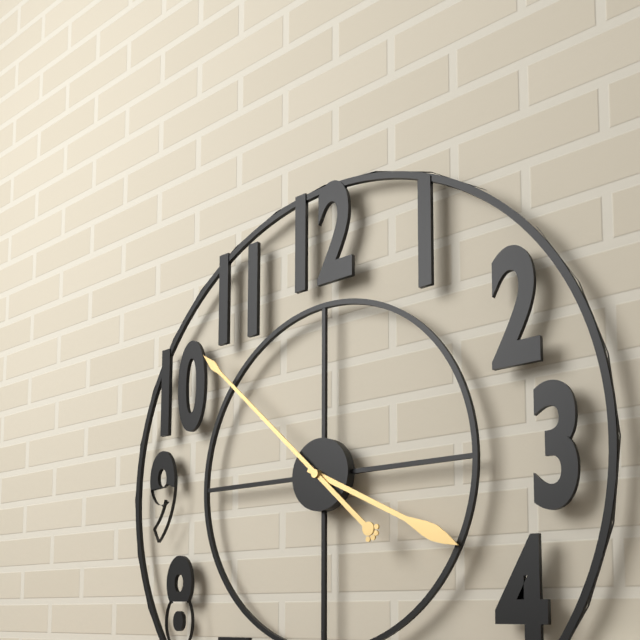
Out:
h=3 m=52
